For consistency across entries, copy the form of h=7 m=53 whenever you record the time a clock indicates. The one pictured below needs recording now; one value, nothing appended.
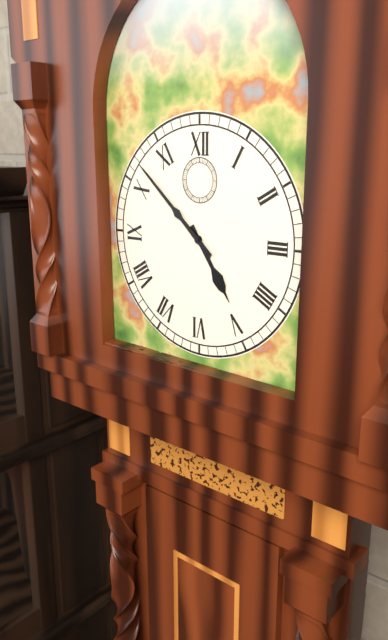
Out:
h=4 m=52
